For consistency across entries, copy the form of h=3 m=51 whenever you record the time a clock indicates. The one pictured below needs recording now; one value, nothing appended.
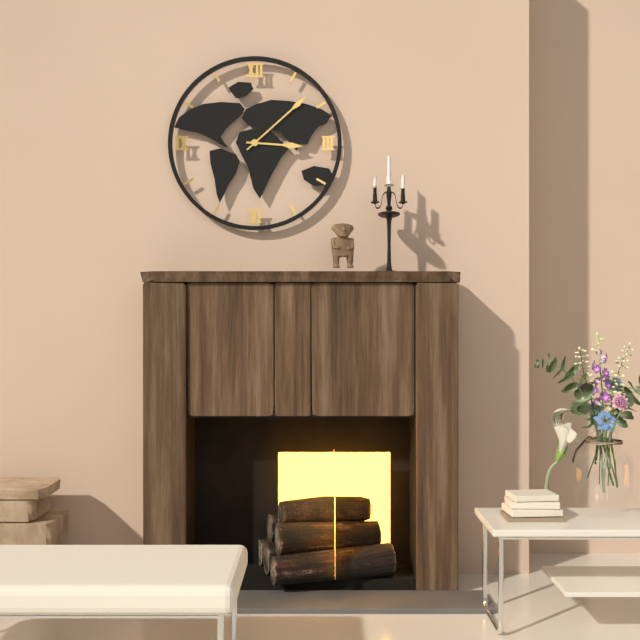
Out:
h=3 m=8
